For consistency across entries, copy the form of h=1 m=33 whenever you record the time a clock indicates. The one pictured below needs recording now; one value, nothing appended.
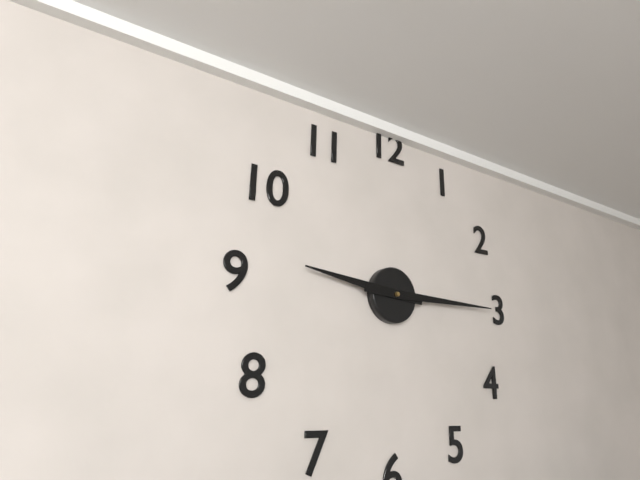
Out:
h=9 m=15
